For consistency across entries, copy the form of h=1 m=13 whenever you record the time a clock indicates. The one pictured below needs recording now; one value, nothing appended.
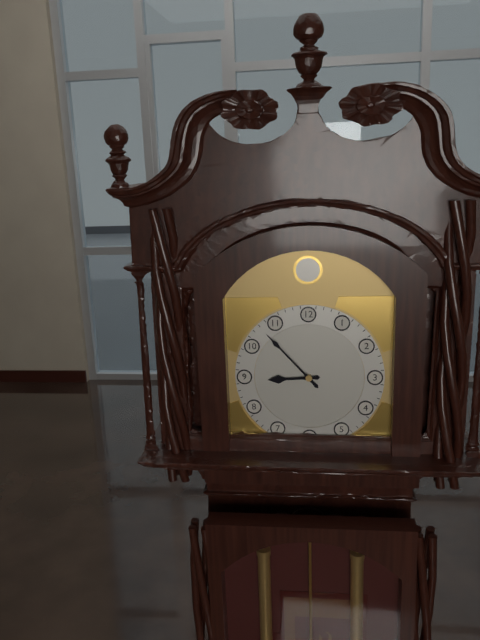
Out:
h=8 m=53
